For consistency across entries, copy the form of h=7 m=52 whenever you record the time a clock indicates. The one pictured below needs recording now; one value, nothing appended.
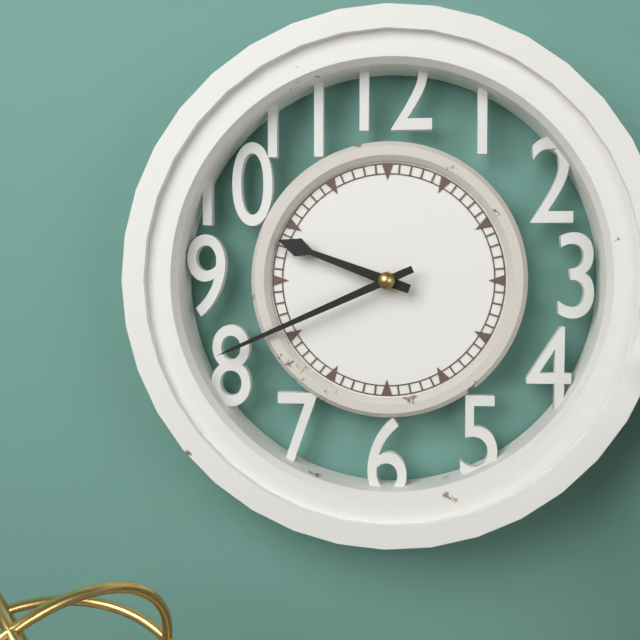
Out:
h=9 m=41
